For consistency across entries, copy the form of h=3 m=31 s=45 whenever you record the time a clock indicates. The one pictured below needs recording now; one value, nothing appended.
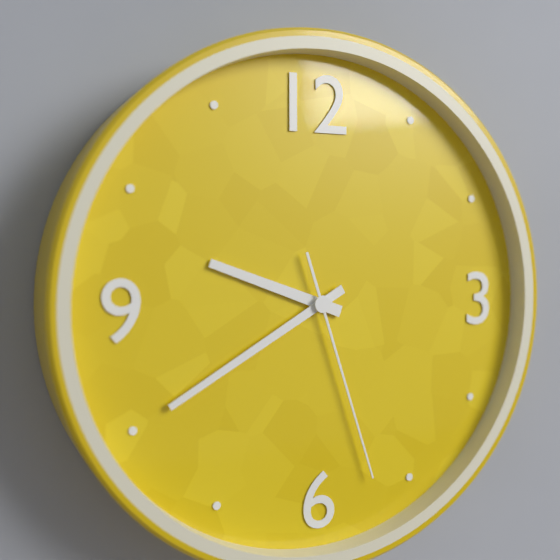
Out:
h=9 m=40 s=27
